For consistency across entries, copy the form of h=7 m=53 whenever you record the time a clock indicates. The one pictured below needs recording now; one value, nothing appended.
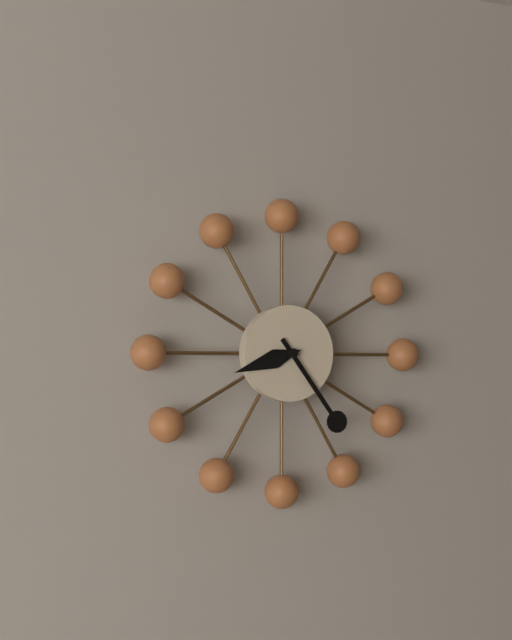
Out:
h=8 m=24
